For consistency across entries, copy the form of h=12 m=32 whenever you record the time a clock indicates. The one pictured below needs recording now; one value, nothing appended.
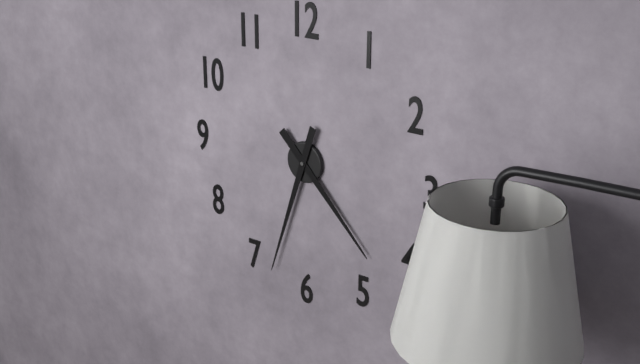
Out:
h=4 m=33
